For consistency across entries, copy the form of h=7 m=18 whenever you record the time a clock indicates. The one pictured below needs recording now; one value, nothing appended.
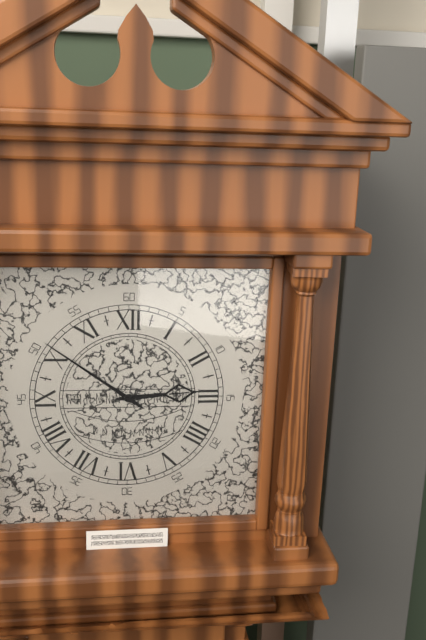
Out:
h=2 m=51
